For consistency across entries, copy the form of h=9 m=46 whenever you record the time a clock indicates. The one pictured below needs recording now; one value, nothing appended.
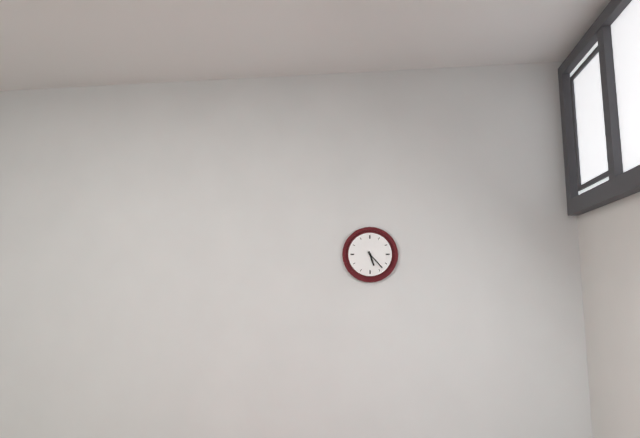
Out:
h=5 m=23
